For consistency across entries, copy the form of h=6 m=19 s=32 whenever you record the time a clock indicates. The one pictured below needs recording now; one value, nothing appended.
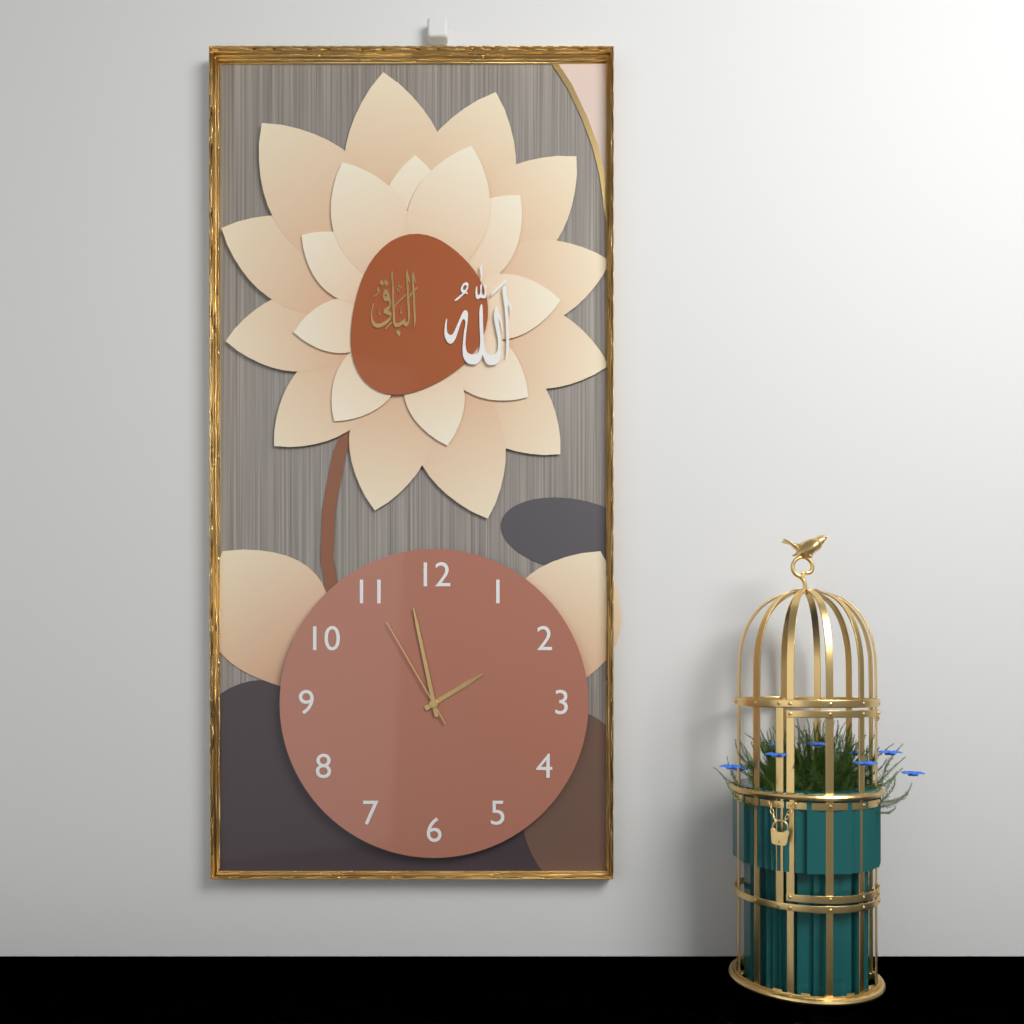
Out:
h=1 m=58 s=55
